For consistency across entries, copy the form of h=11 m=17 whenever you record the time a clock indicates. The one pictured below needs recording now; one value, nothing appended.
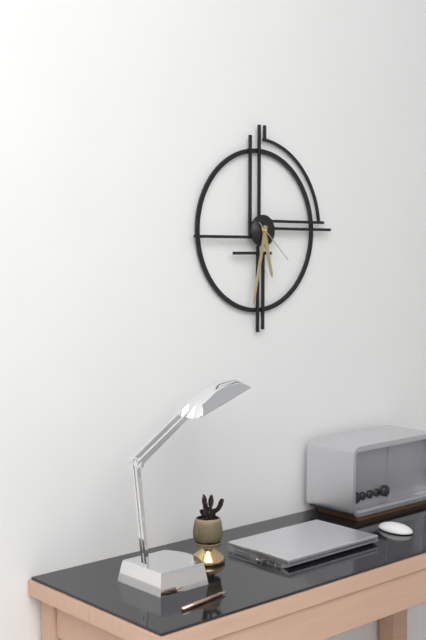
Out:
h=5 m=32
